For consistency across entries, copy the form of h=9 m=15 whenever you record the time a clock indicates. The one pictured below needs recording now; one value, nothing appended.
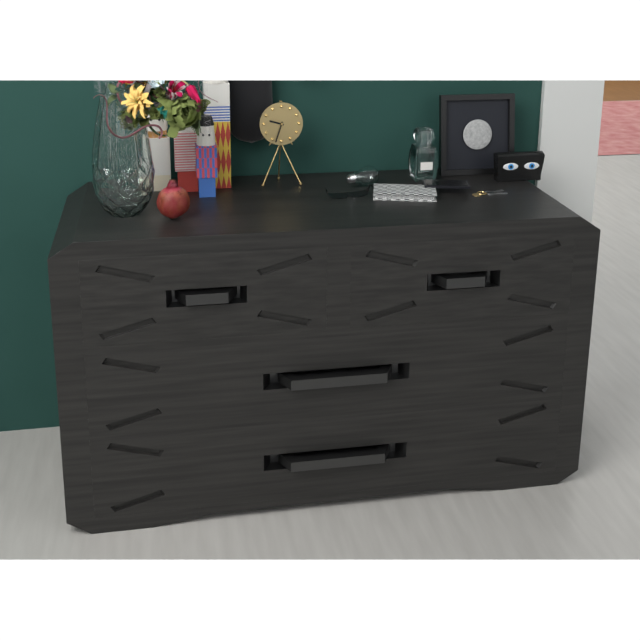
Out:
h=9 m=33
